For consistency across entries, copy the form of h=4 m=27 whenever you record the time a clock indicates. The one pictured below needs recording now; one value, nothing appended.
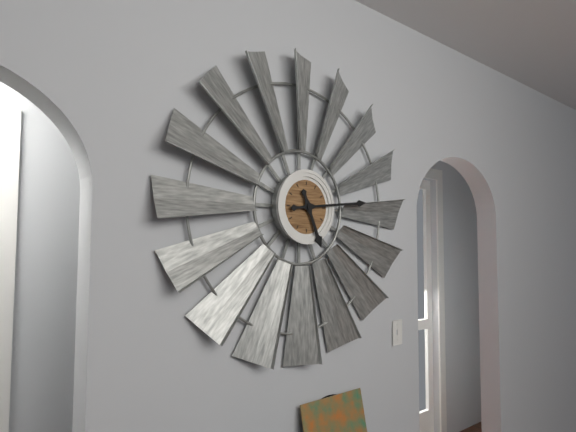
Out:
h=5 m=14
